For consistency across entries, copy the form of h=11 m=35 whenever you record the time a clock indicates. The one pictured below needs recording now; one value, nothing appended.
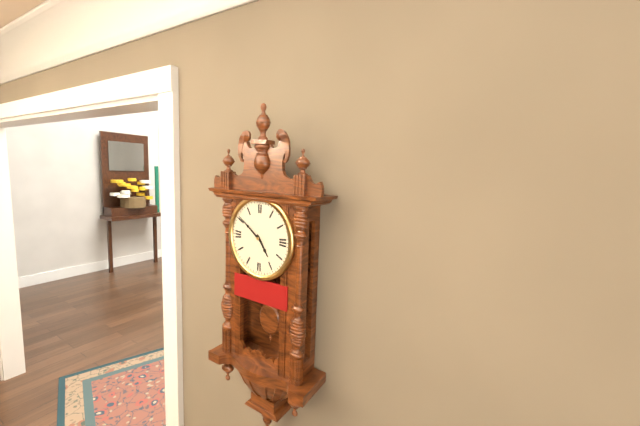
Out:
h=4 m=51
